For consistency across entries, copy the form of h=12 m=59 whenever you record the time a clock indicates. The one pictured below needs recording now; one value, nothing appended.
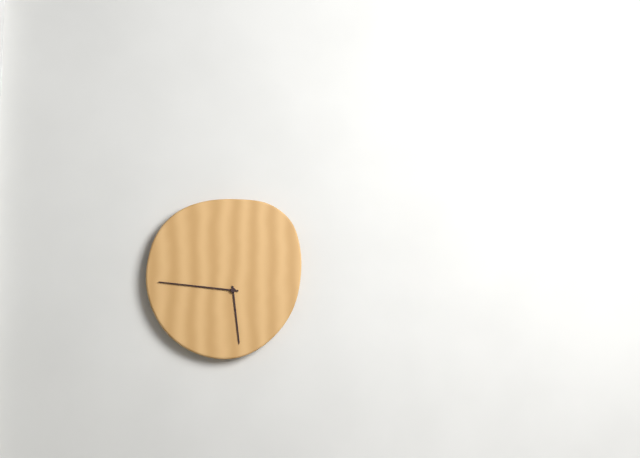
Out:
h=5 m=46
